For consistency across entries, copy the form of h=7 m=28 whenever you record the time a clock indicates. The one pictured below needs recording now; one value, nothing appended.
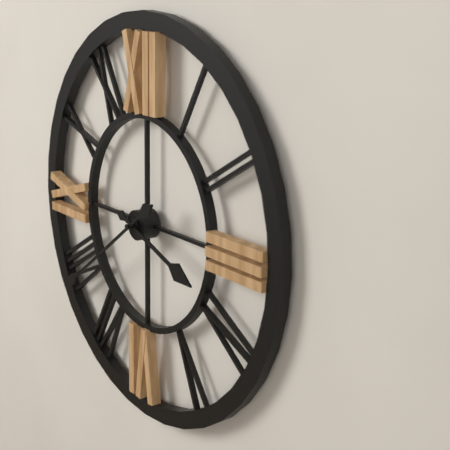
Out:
h=3 m=39
